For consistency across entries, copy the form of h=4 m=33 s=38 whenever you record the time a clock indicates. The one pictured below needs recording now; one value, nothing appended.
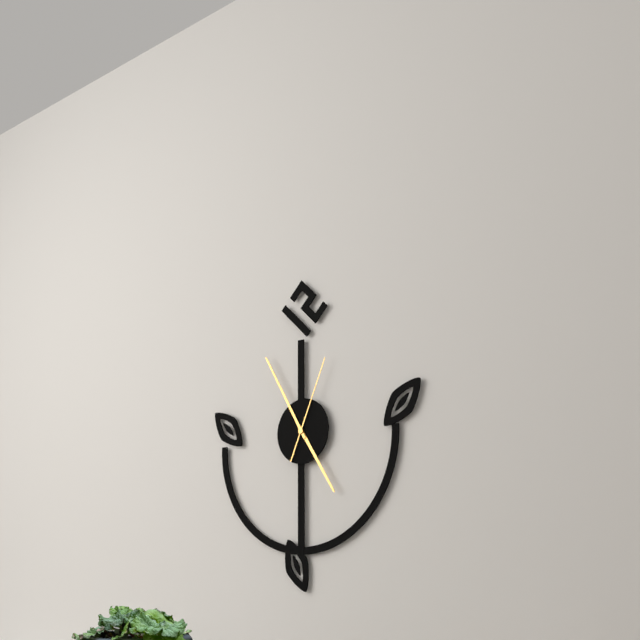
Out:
h=4 m=55 s=4
